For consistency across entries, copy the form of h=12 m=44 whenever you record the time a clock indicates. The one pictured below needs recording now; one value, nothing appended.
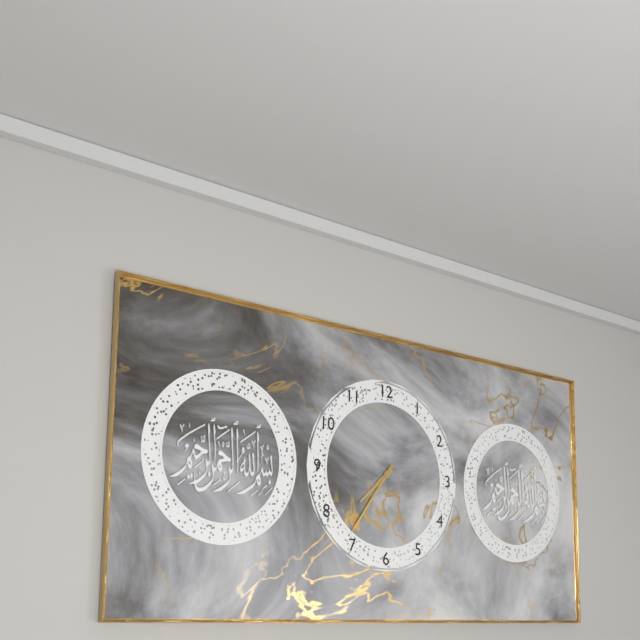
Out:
h=7 m=36
